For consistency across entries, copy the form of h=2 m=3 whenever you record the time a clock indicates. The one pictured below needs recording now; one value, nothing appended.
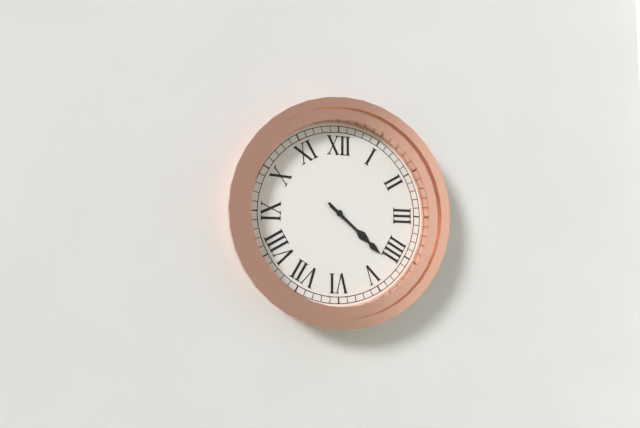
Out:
h=4 m=22
